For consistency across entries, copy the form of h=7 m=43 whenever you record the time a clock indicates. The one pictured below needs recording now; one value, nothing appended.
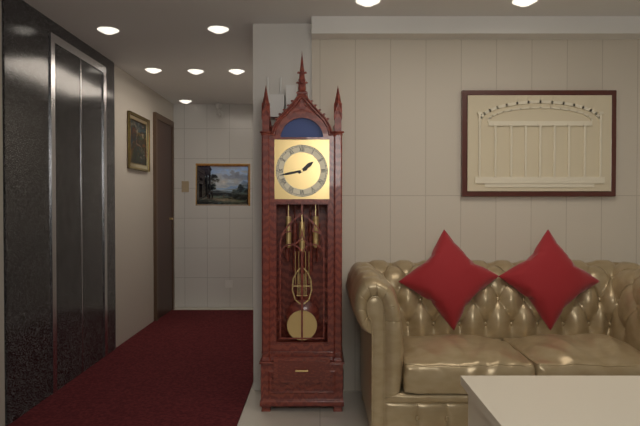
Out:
h=1 m=43
